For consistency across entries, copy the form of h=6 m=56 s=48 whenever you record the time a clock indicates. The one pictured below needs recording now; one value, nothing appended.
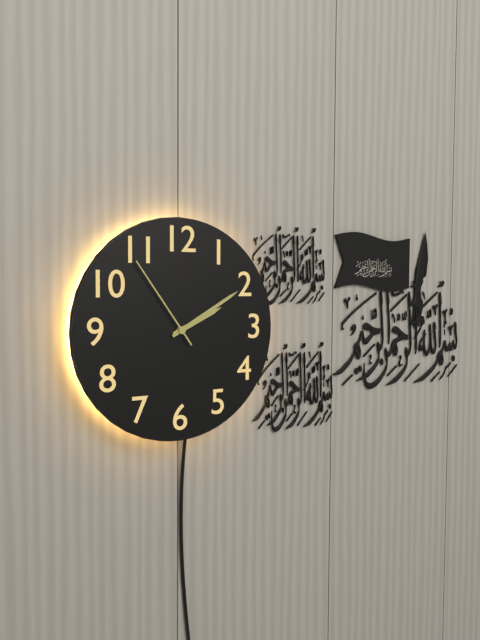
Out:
h=2 m=10 s=54
